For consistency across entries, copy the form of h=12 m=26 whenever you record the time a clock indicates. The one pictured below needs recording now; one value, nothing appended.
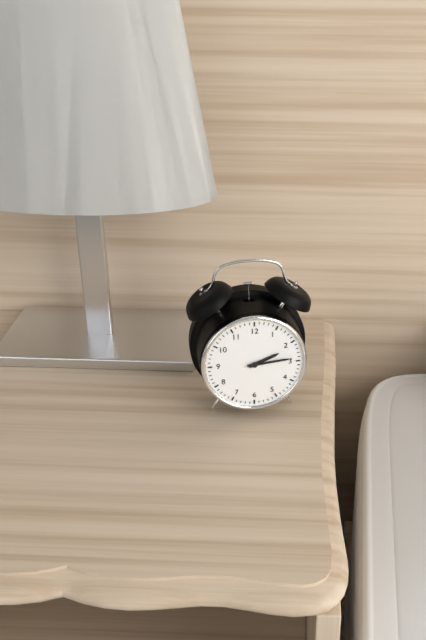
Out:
h=2 m=14
